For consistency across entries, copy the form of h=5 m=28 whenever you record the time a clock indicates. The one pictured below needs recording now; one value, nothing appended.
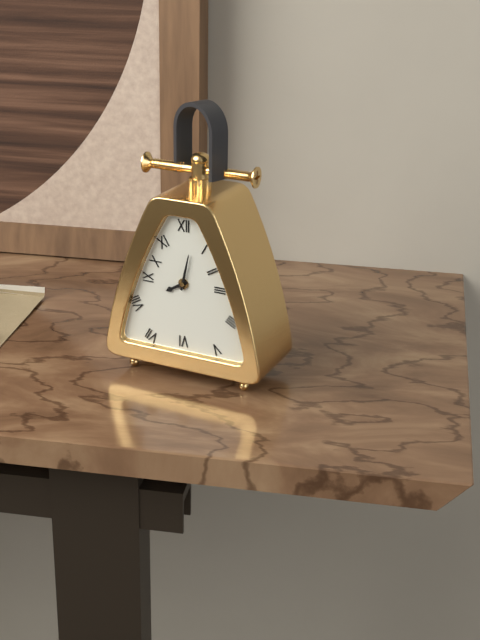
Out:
h=8 m=2
